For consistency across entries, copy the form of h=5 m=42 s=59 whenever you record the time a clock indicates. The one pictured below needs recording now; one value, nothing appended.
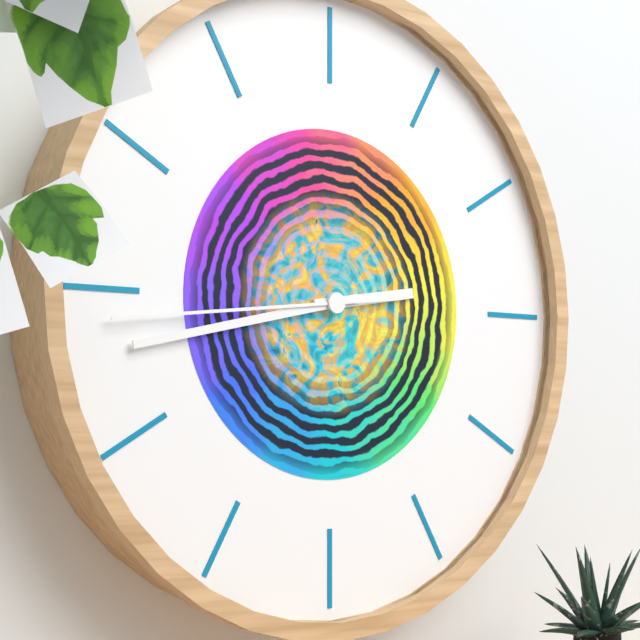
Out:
h=2 m=43 s=44
